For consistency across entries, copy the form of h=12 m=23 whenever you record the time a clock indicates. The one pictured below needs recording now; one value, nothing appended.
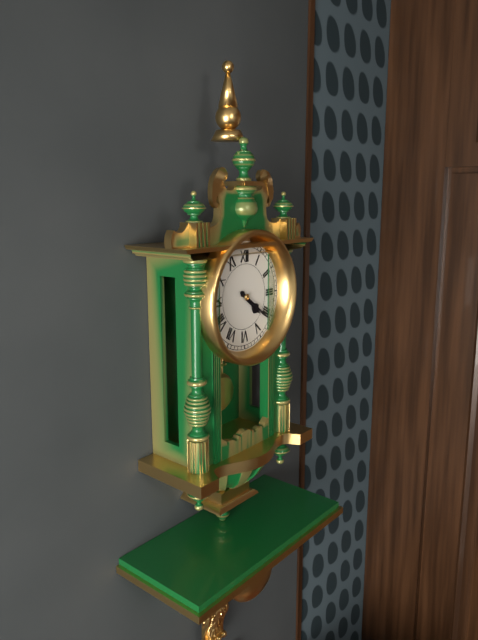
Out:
h=4 m=21
